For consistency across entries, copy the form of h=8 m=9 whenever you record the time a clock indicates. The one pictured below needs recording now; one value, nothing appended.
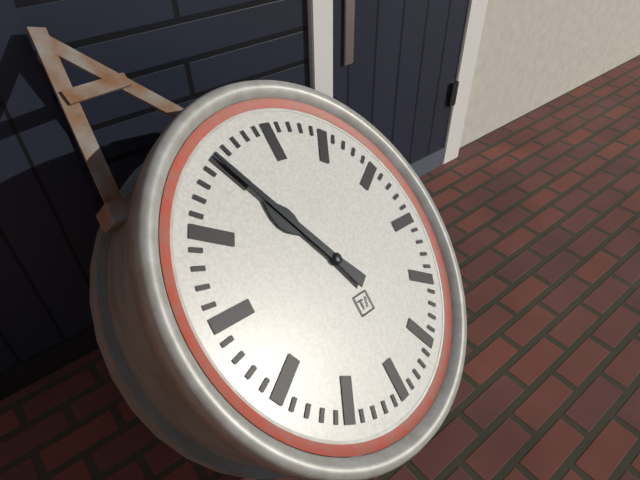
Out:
h=10 m=55
